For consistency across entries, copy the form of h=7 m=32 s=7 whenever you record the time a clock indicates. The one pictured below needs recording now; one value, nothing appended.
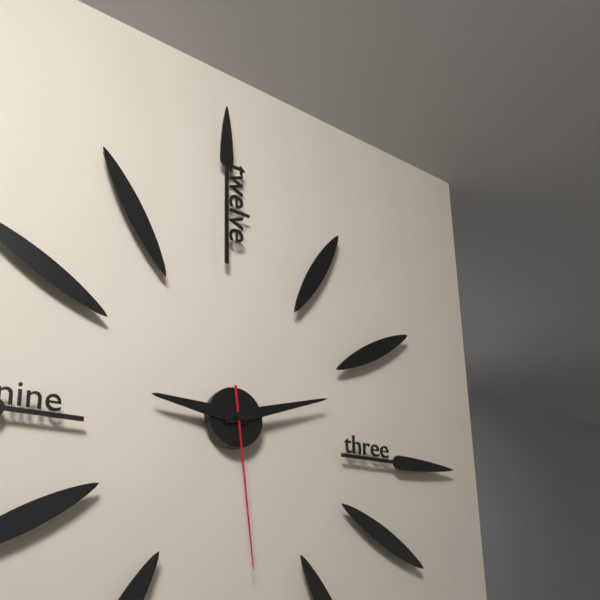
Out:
h=9 m=12 s=29
